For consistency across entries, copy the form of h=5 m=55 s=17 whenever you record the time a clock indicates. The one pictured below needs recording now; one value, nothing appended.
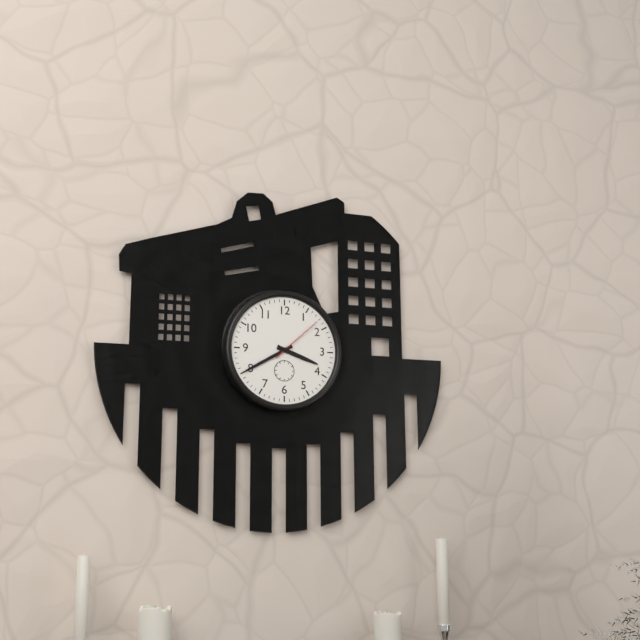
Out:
h=3 m=40 s=8
